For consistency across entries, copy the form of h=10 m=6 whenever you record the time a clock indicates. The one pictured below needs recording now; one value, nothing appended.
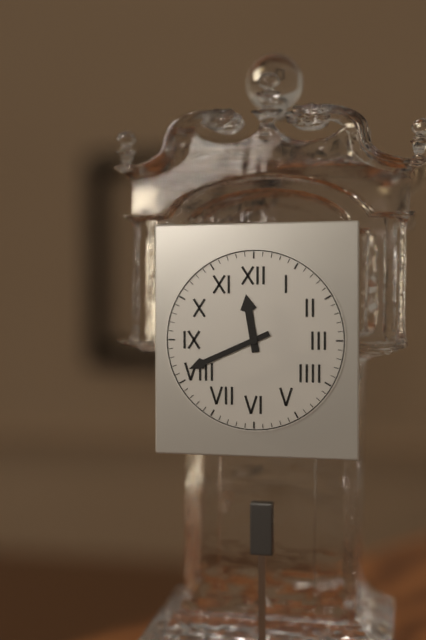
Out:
h=11 m=41
